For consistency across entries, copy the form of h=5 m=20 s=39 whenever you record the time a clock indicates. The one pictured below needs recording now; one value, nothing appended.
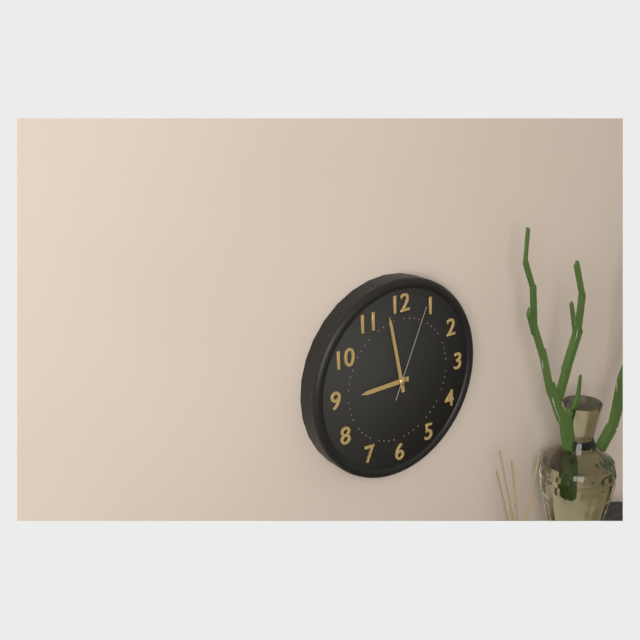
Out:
h=8 m=58 s=4
